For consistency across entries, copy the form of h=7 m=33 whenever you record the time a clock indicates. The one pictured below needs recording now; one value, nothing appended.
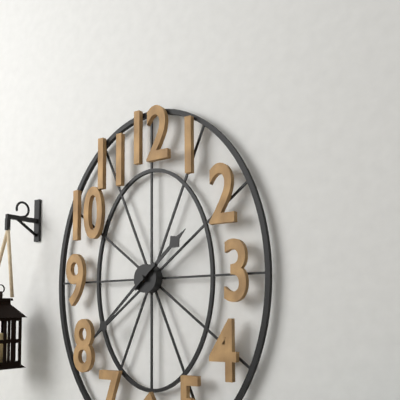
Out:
h=1 m=38
